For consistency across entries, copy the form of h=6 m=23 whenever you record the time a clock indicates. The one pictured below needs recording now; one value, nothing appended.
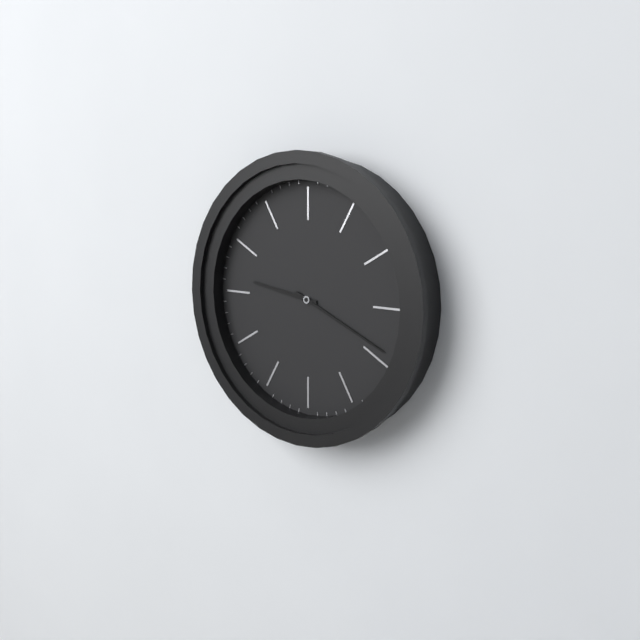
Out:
h=9 m=19
